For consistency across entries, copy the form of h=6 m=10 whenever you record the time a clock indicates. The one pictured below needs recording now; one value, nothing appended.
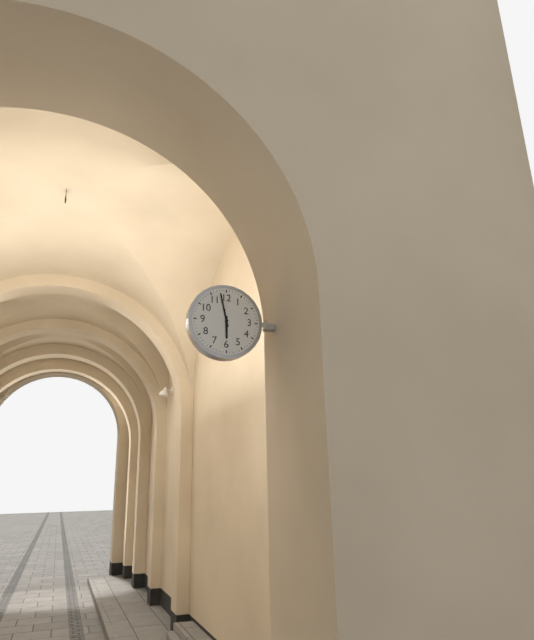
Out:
h=5 m=58
